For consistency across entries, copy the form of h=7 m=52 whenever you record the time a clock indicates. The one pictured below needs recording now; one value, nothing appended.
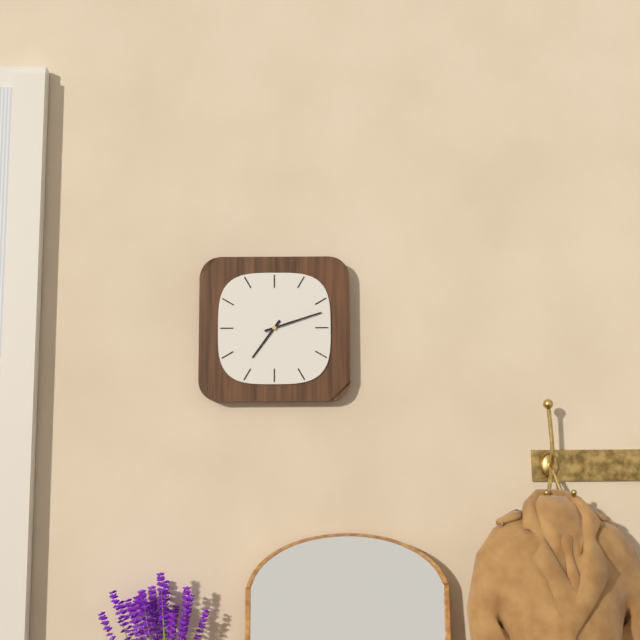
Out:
h=7 m=12
